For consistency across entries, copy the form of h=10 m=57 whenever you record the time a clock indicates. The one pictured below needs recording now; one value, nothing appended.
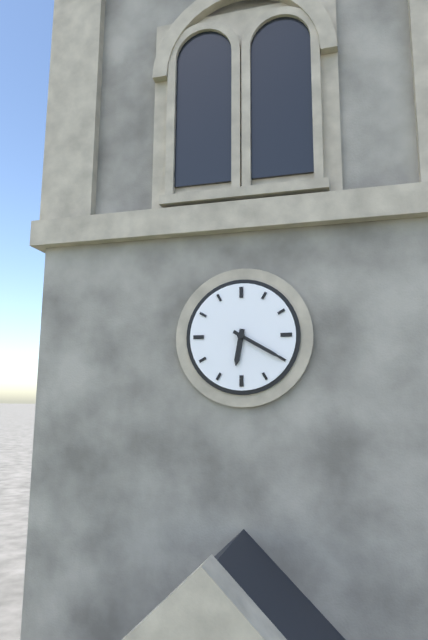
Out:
h=6 m=20
